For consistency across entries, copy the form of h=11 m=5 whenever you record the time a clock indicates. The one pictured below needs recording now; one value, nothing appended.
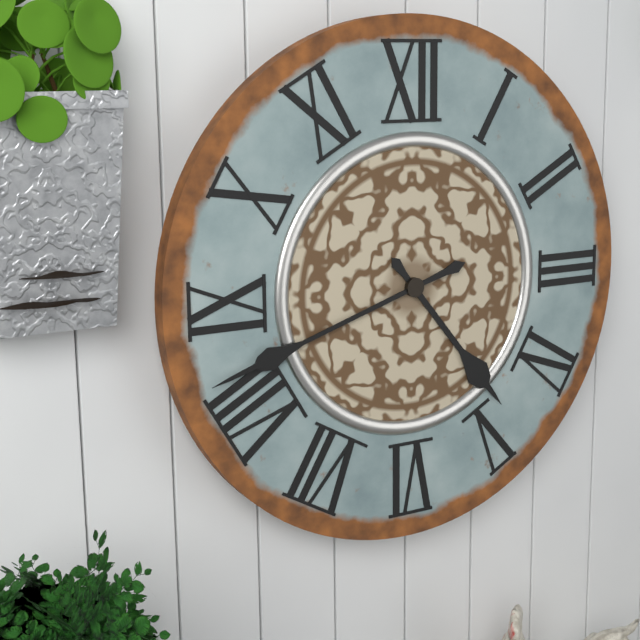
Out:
h=4 m=42
